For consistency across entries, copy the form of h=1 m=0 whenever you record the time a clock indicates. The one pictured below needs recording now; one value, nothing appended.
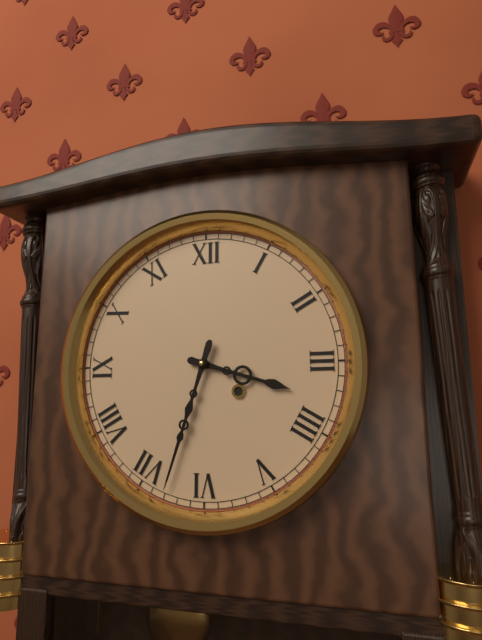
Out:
h=3 m=33
